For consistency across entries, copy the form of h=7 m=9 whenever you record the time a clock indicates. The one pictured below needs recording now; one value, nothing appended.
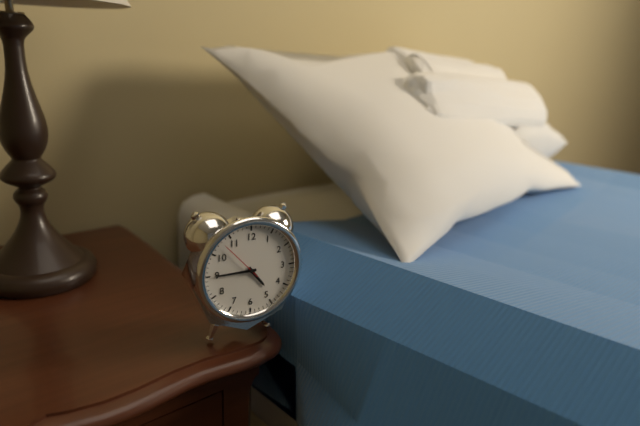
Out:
h=4 m=45
